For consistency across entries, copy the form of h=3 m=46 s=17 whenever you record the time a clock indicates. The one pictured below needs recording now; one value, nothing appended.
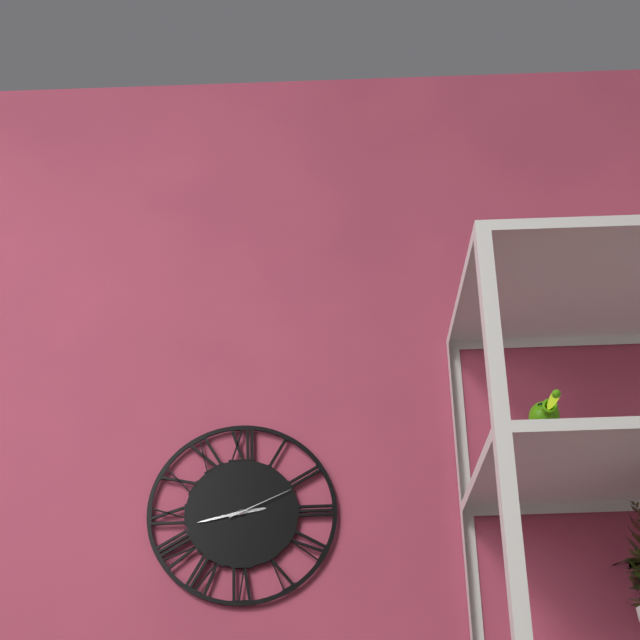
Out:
h=2 m=43 s=11
